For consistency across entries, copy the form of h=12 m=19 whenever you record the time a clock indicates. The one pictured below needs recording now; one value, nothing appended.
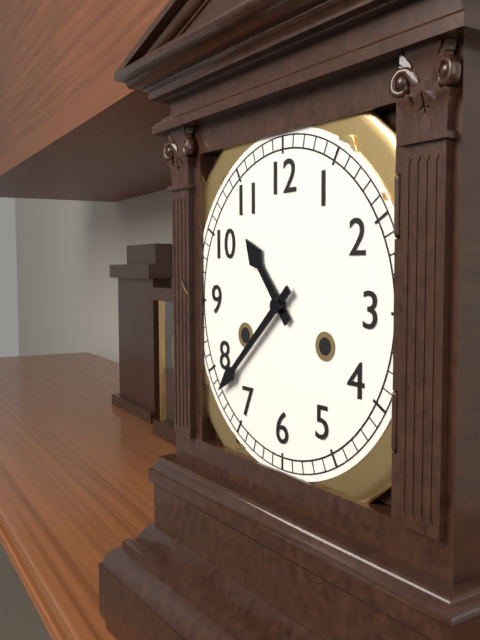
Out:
h=10 m=38
